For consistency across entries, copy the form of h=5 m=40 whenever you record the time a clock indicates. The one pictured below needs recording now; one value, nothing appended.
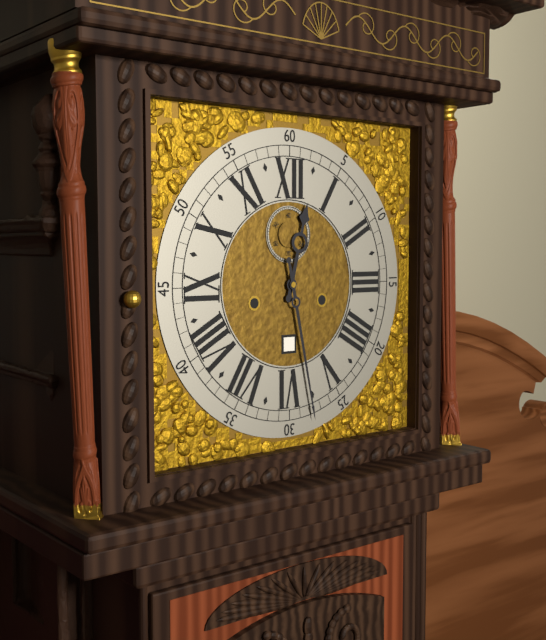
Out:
h=12 m=28
